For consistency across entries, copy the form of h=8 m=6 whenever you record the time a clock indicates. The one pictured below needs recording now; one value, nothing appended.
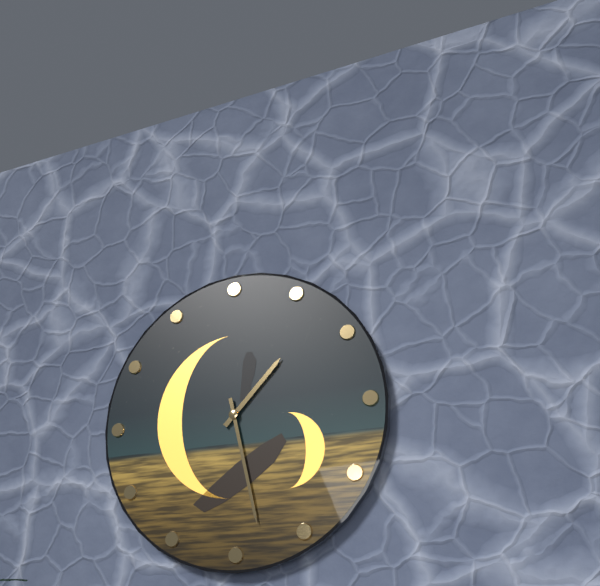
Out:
h=1 m=28
